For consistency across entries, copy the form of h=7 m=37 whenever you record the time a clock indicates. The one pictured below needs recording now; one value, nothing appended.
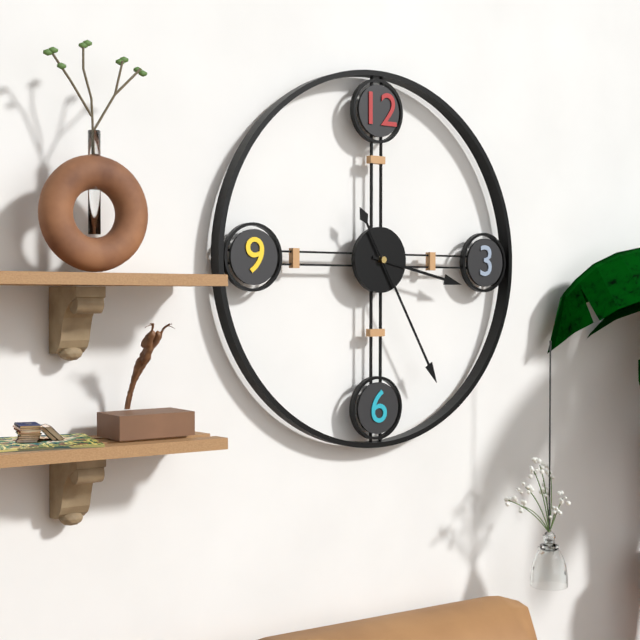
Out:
h=3 m=25
